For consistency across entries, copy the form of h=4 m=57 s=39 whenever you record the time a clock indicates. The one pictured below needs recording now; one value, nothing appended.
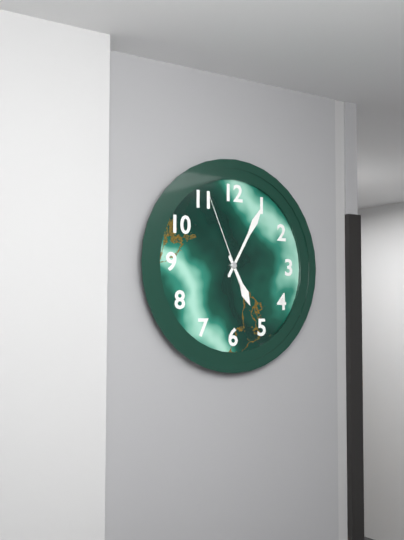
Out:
h=5 m=5 s=56
